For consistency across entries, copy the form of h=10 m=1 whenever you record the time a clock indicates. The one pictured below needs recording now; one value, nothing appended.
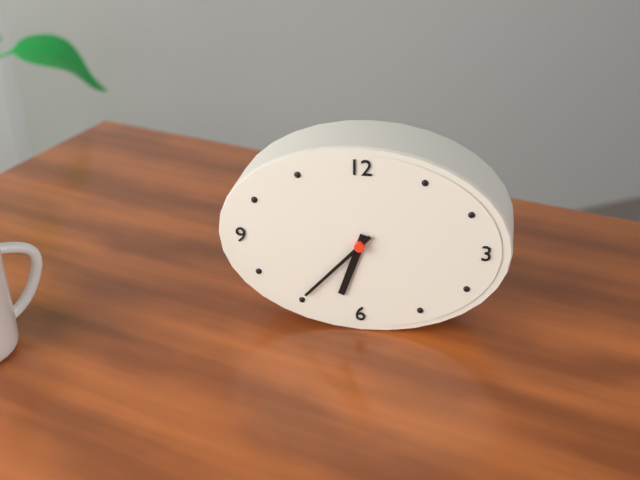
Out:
h=6 m=37
